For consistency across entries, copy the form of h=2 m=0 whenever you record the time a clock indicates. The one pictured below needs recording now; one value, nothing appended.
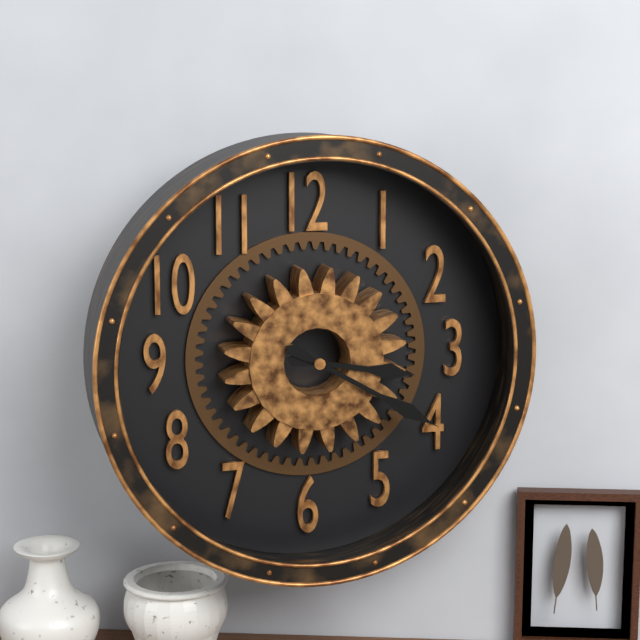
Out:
h=3 m=20
